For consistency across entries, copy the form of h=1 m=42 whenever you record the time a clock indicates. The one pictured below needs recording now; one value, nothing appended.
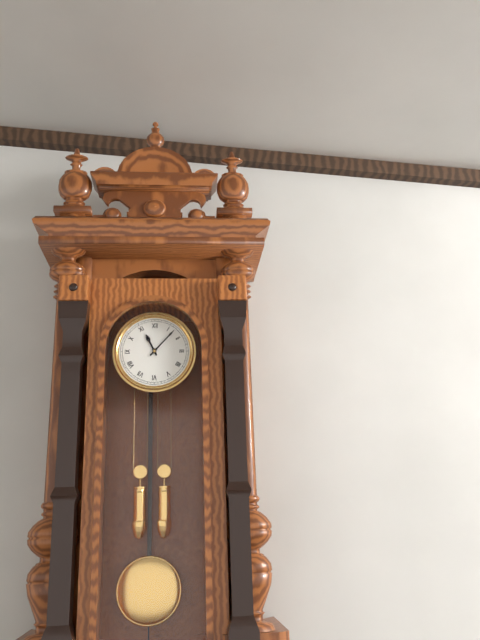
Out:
h=11 m=7
